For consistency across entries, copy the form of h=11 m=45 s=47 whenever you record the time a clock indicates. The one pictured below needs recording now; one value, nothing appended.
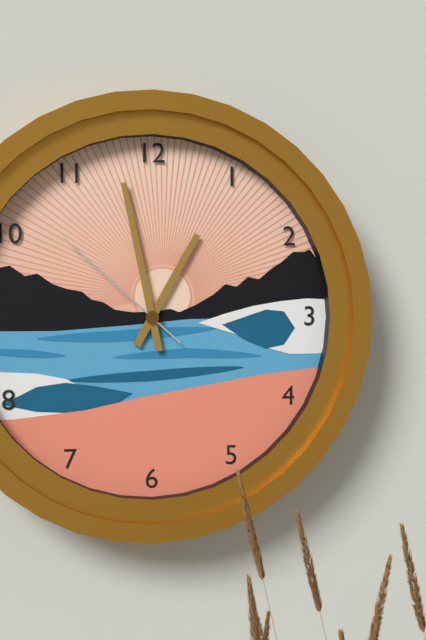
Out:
h=12 m=58 s=52
